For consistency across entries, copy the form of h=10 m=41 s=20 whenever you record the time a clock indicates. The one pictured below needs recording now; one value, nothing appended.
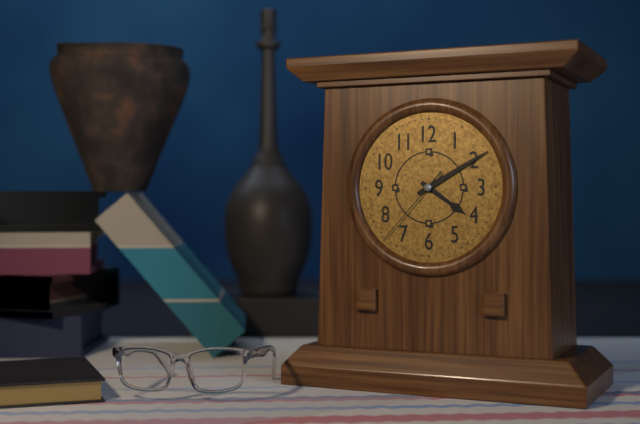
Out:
h=4 m=10 s=37
